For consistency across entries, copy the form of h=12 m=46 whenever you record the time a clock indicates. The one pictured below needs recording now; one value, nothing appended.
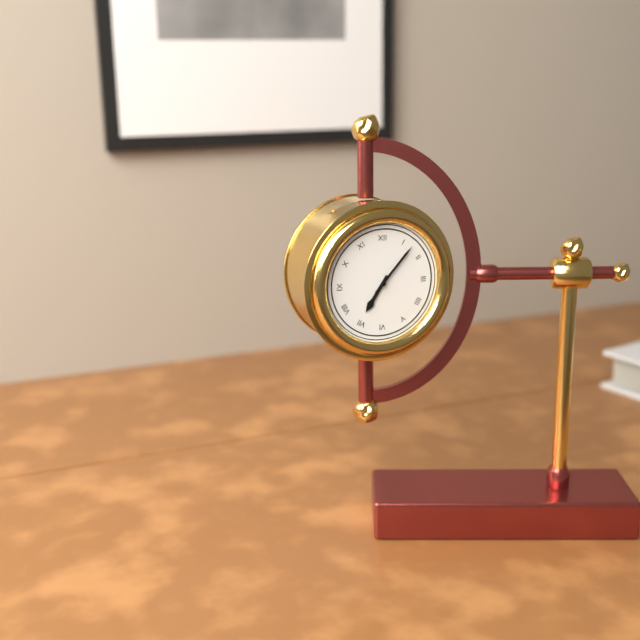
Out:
h=7 m=7
